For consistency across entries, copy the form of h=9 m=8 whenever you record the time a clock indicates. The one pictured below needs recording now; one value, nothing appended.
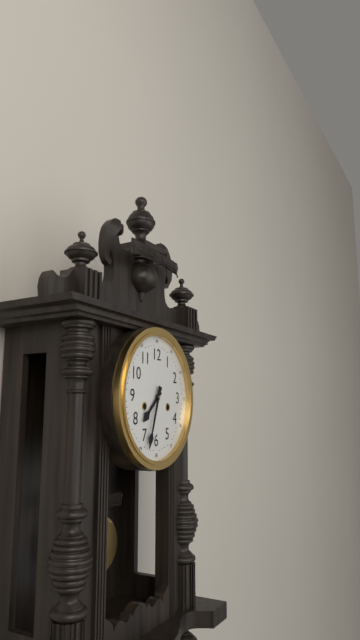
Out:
h=7 m=33
